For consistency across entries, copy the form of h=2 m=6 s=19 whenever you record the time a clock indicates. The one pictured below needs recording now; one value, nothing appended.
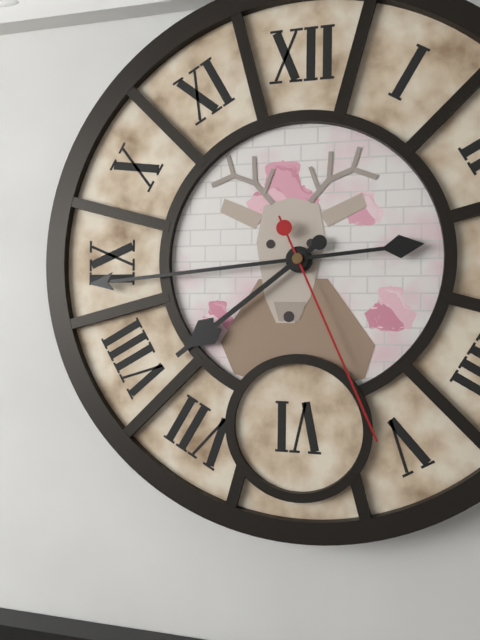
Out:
h=7 m=44 s=26
